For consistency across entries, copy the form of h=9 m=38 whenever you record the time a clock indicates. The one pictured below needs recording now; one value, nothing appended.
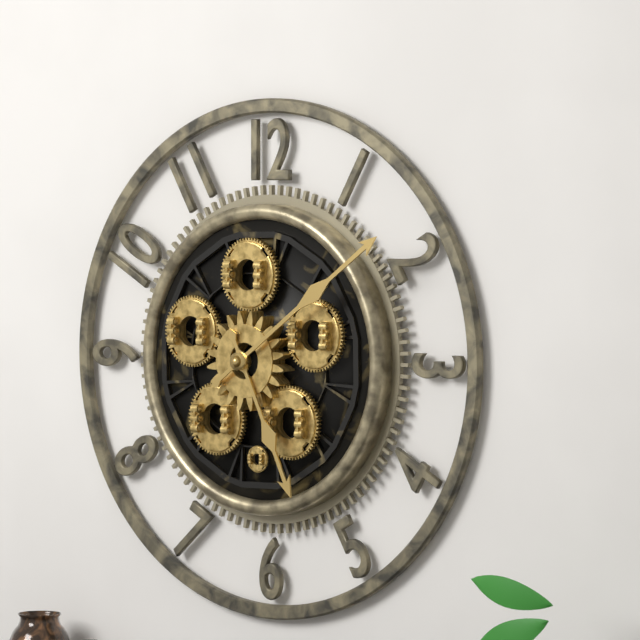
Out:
h=5 m=9
